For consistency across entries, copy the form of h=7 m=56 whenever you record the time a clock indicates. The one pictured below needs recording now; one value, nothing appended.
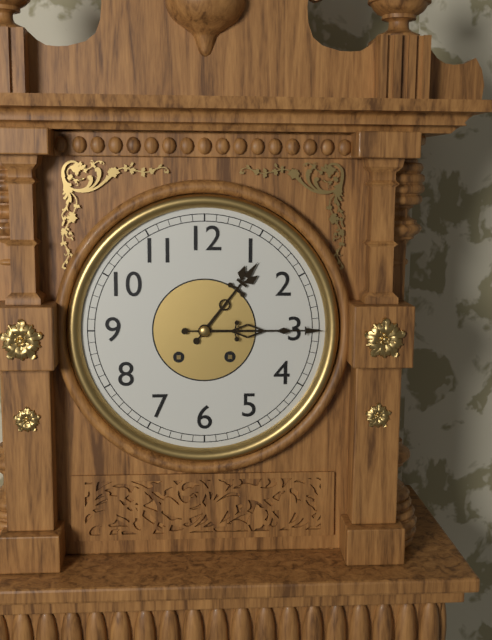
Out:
h=1 m=15
